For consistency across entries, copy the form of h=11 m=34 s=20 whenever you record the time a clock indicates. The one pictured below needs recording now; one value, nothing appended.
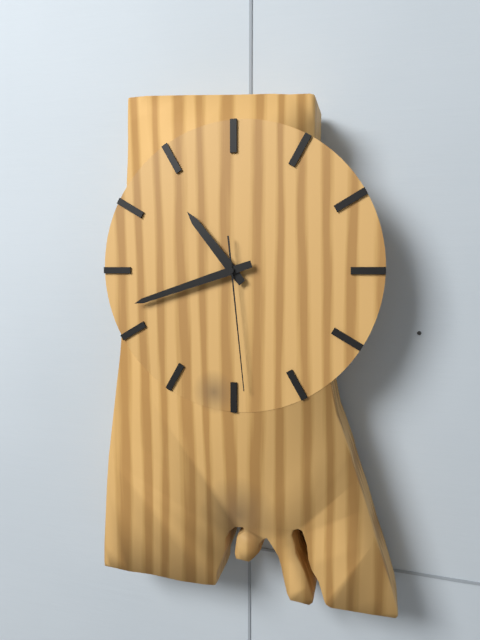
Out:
h=10 m=42 s=29
